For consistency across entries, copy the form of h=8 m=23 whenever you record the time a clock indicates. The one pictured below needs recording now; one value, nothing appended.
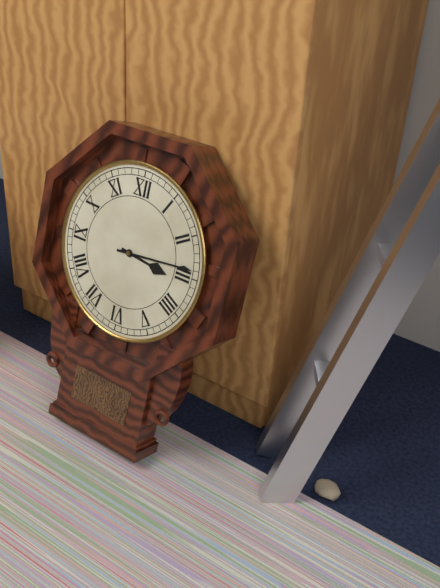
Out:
h=3 m=14
